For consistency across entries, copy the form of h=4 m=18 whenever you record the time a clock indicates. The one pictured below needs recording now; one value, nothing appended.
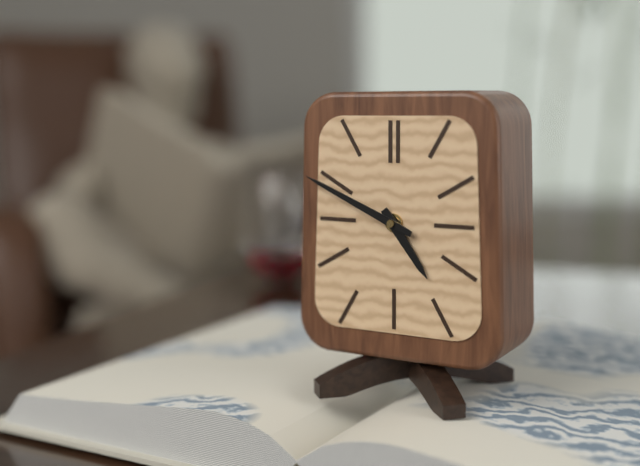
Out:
h=4 m=49
